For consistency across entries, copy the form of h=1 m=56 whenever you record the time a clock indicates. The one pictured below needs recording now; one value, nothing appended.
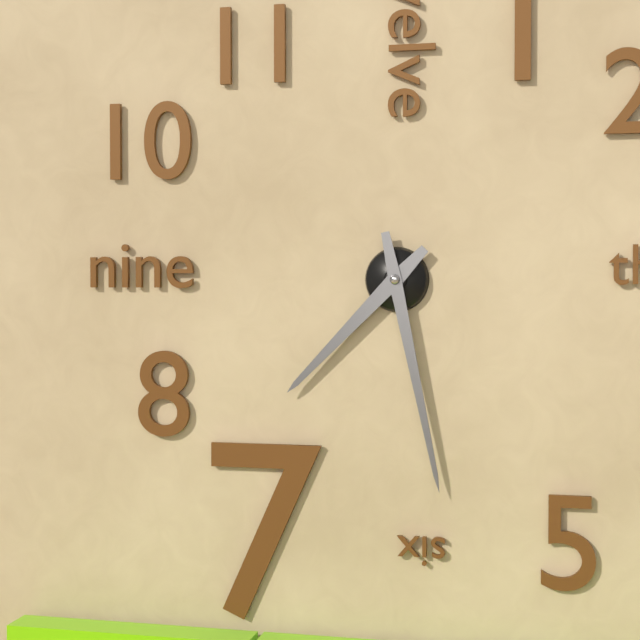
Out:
h=7 m=28
